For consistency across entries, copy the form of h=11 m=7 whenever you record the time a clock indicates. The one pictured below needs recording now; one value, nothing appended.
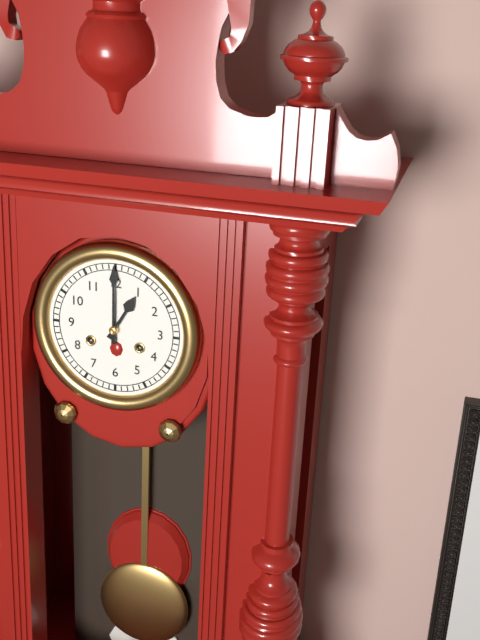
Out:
h=1 m=0
